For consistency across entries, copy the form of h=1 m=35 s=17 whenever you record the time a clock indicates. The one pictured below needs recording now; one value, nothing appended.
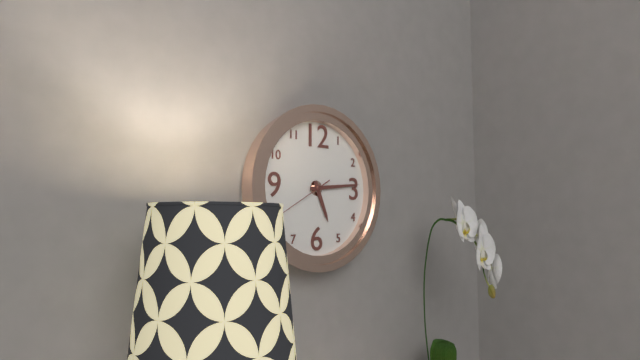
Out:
h=5 m=14 s=40
